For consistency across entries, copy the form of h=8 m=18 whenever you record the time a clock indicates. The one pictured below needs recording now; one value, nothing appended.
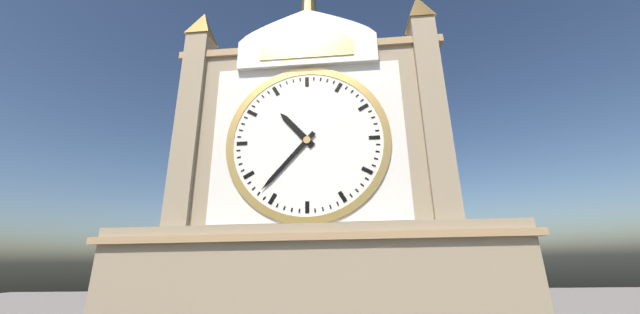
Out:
h=10 m=37
